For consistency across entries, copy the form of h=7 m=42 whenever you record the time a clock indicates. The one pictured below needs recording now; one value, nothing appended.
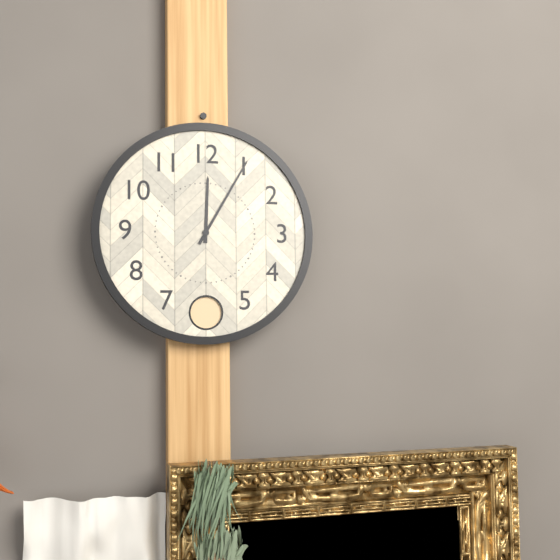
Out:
h=12 m=5
